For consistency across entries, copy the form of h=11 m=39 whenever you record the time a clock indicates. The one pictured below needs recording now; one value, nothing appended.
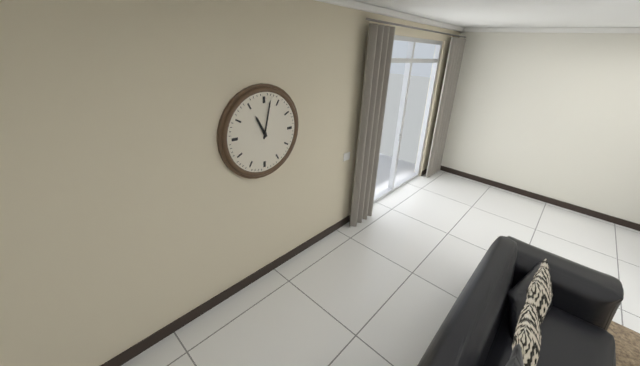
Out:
h=11 m=2
